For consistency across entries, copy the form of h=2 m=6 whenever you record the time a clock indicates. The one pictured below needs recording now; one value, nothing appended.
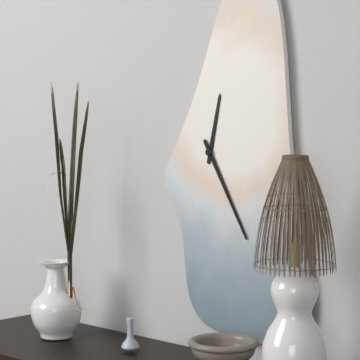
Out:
h=12 m=25
